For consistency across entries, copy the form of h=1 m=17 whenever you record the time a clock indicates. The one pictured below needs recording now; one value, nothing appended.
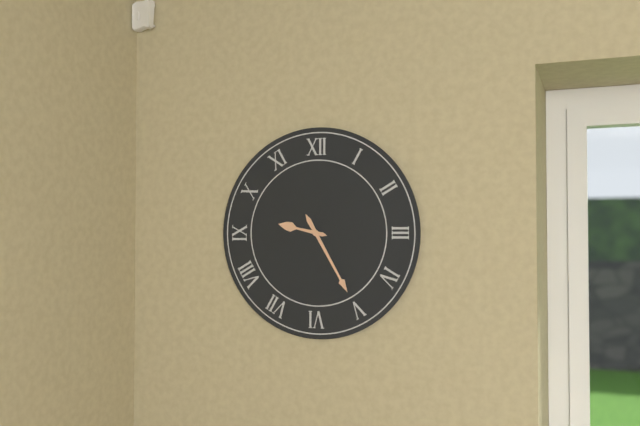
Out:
h=9 m=25
